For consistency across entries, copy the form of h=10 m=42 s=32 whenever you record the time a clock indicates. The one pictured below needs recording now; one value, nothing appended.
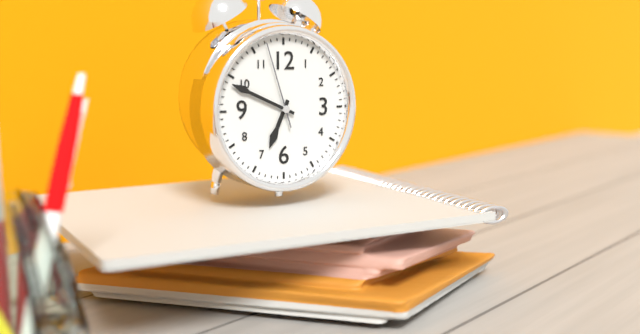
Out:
h=6 m=49 s=57
